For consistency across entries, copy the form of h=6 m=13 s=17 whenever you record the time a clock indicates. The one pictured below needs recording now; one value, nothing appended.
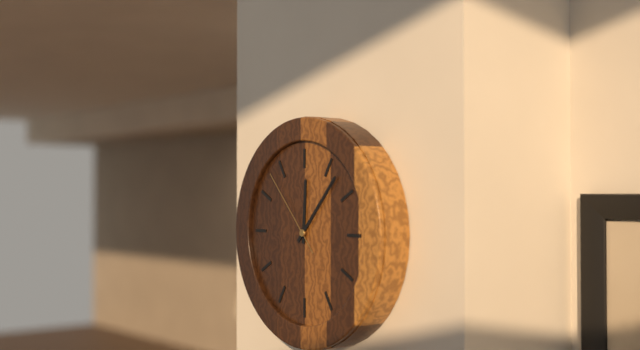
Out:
h=12 m=7 s=53
